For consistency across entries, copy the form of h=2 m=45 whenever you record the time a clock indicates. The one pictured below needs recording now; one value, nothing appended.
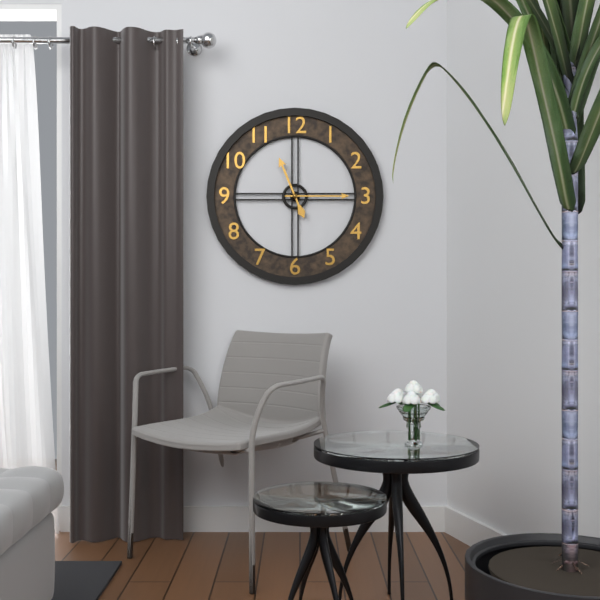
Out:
h=11 m=15
